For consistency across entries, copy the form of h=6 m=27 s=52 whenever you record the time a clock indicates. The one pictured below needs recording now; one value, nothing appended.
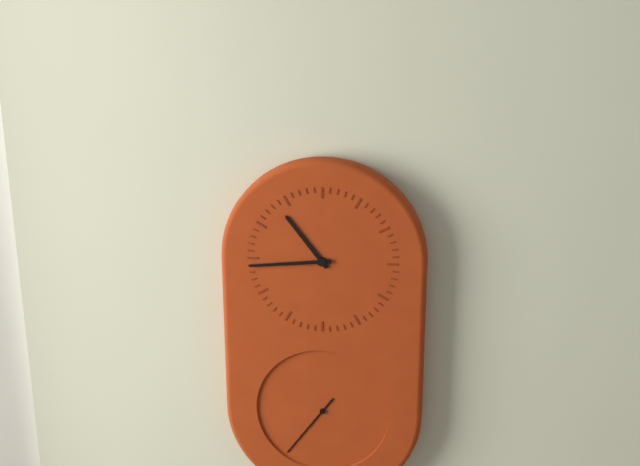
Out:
h=10 m=44 s=36
